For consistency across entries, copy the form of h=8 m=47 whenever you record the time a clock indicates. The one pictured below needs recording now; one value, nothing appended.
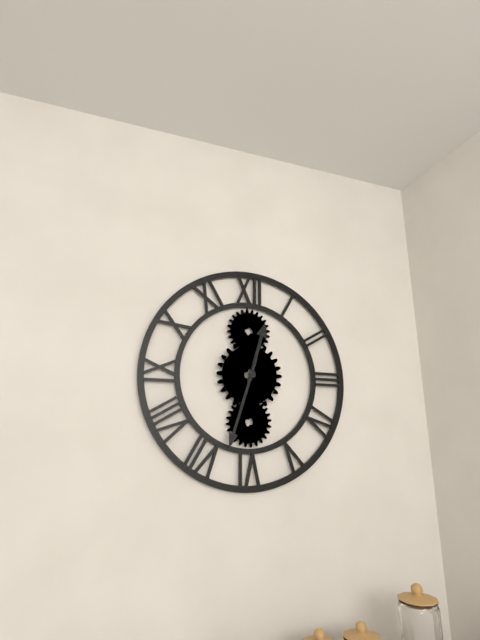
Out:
h=12 m=33
